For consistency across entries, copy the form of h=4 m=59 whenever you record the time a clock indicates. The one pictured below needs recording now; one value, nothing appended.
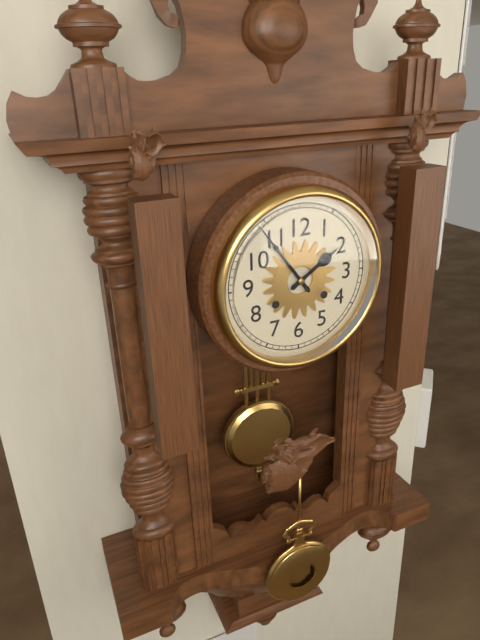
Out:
h=1 m=54
